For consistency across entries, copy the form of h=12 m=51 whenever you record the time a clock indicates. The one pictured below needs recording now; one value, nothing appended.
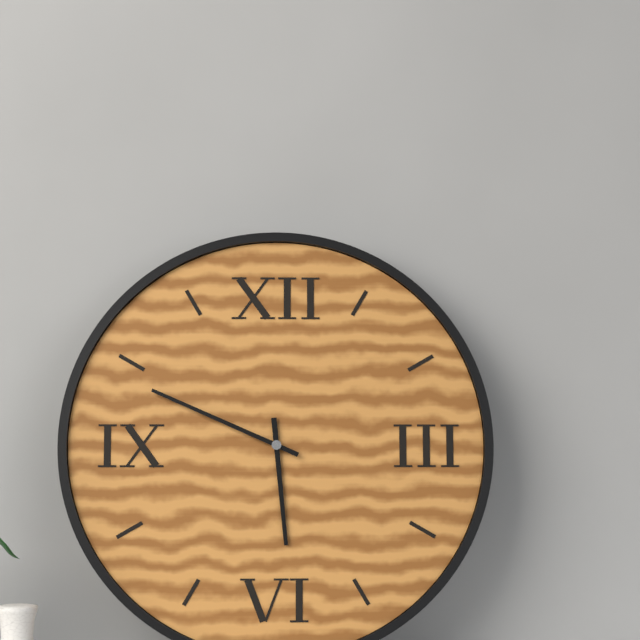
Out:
h=5 m=49
